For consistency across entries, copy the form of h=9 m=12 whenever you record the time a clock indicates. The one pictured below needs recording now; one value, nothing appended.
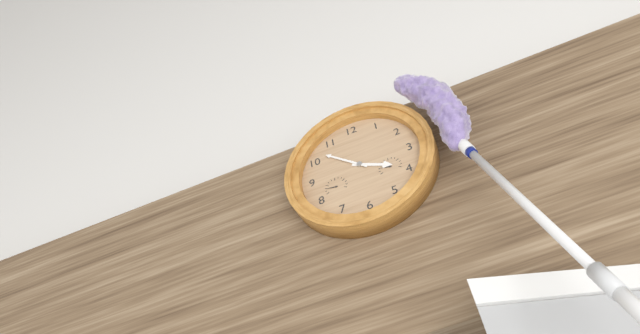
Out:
h=3 m=52
